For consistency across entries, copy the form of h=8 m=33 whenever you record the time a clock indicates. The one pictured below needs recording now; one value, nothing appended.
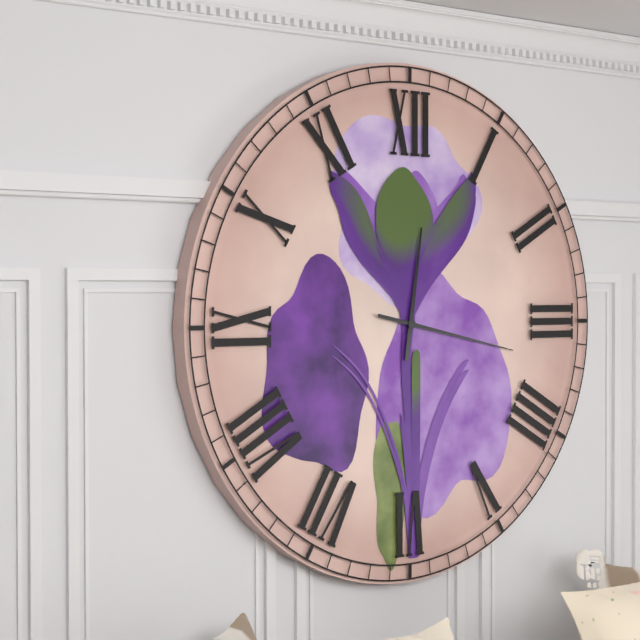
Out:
h=12 m=17
